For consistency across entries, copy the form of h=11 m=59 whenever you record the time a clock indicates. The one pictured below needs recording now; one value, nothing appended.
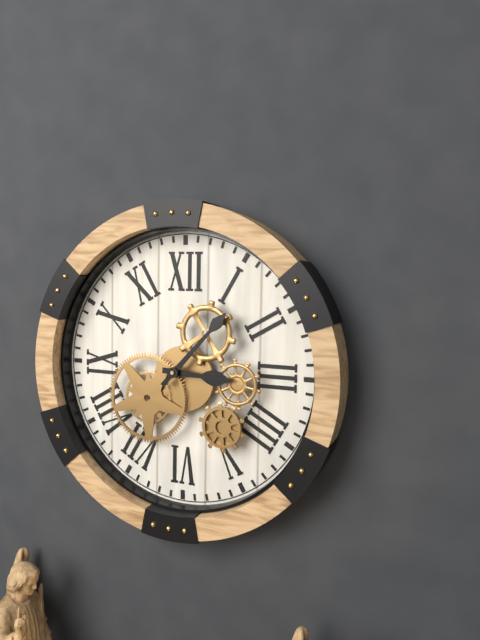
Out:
h=3 m=7
